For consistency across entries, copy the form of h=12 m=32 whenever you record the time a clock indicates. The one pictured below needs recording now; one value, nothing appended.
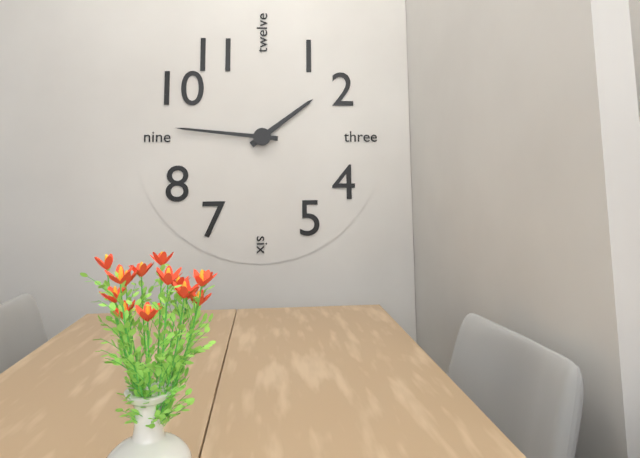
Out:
h=1 m=46
